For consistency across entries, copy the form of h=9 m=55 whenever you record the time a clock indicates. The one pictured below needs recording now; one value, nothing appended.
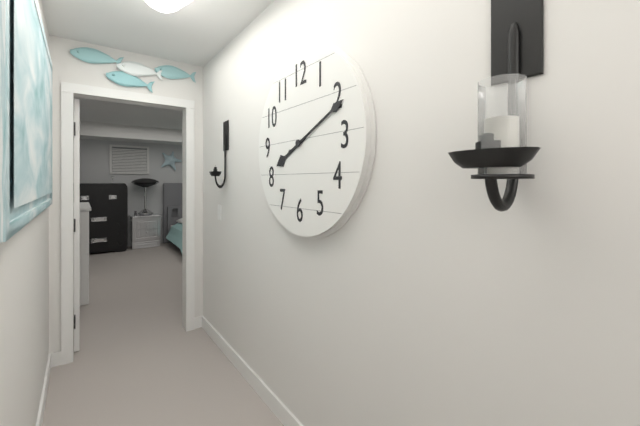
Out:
h=8 m=11
